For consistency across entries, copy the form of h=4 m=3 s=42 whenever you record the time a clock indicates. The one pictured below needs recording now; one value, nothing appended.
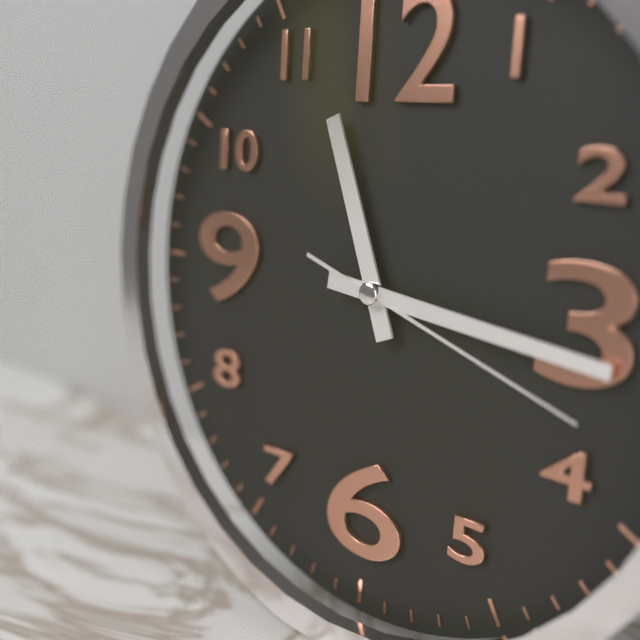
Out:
h=11 m=16 s=18
